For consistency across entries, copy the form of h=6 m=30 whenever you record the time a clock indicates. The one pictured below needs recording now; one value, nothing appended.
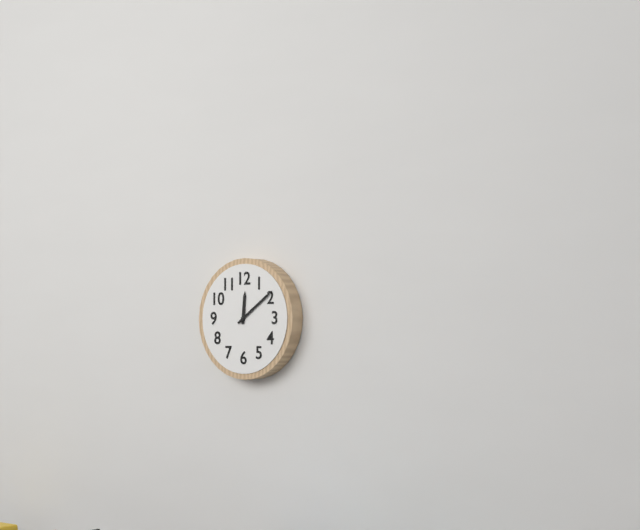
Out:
h=12 m=9
